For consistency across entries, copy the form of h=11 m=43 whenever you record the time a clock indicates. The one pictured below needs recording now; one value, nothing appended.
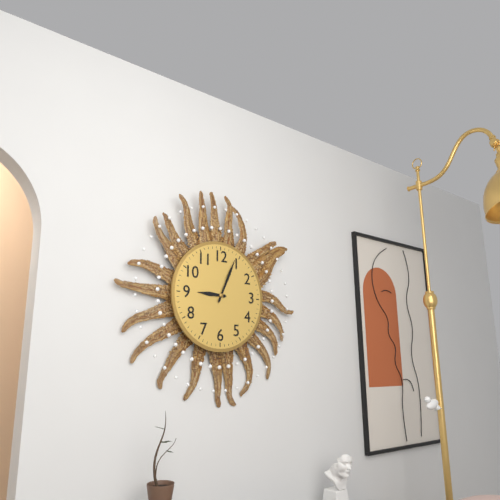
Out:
h=9 m=4
